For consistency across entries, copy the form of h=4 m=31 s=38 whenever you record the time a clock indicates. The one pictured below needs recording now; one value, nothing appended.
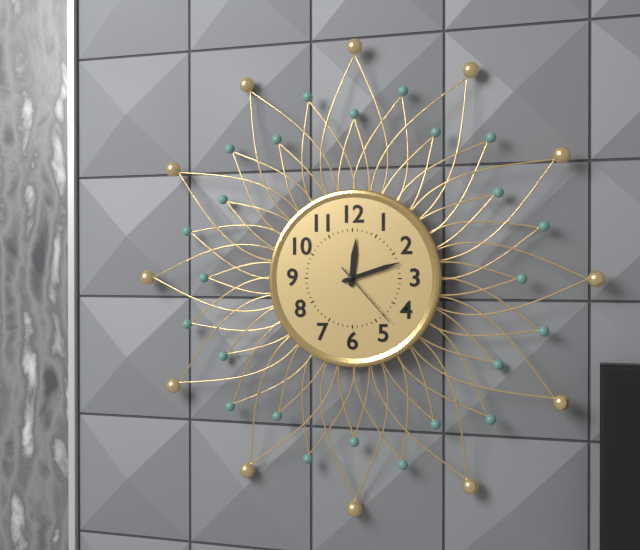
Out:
h=12 m=12 s=23
